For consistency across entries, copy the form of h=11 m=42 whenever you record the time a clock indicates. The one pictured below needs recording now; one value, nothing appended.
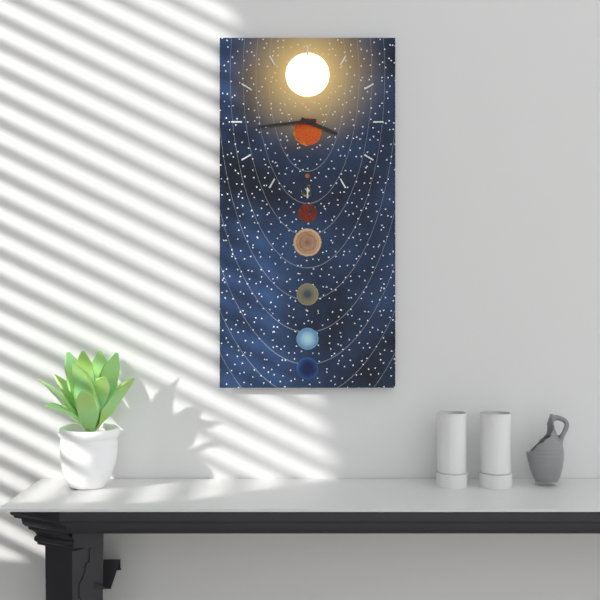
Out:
h=3 m=44
